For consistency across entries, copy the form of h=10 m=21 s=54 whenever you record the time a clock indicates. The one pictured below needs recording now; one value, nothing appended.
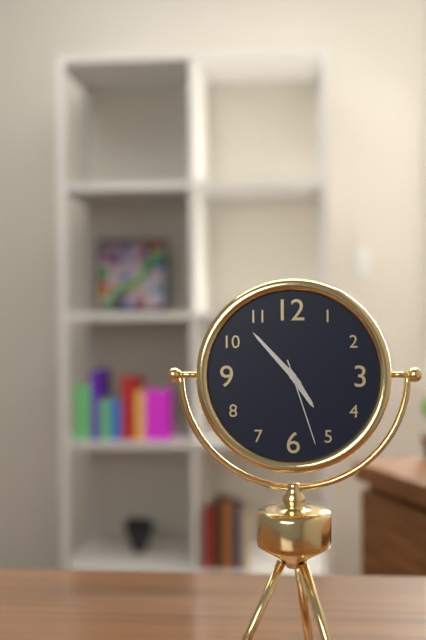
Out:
h=4 m=53 s=27
